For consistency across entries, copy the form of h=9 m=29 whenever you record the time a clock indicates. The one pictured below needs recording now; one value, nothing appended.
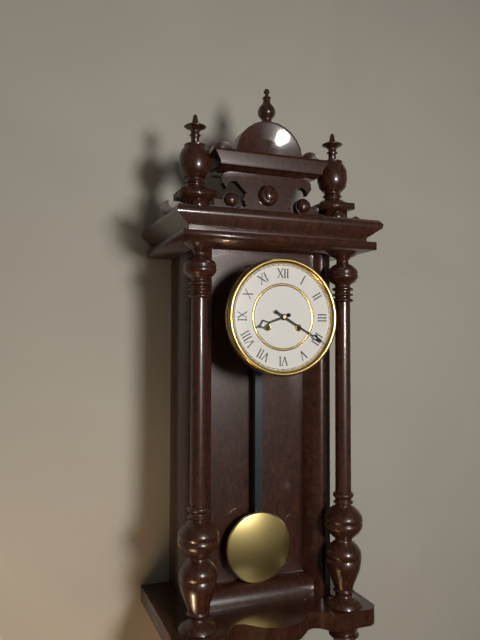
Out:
h=8 m=20
